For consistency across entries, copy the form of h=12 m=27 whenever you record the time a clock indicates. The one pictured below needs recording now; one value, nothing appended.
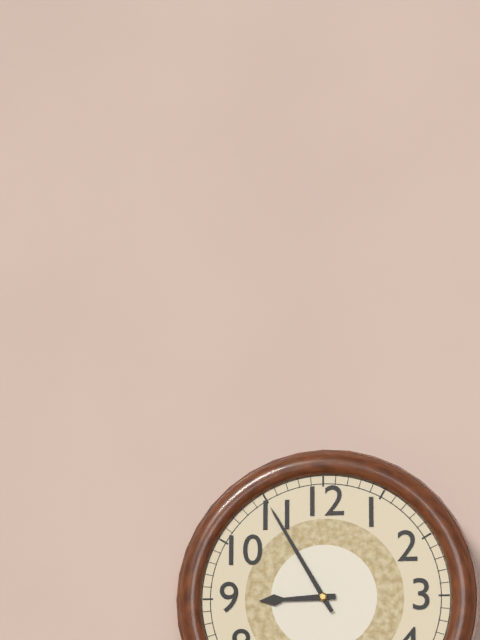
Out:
h=8 m=55
